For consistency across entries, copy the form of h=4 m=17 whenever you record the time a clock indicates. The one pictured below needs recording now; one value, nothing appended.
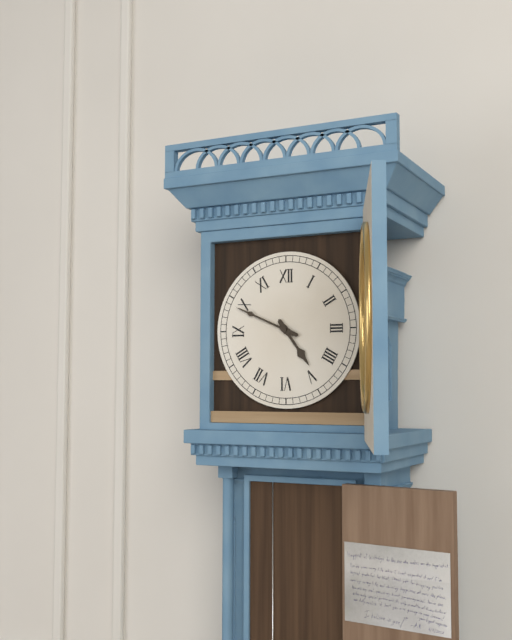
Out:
h=4 m=49
